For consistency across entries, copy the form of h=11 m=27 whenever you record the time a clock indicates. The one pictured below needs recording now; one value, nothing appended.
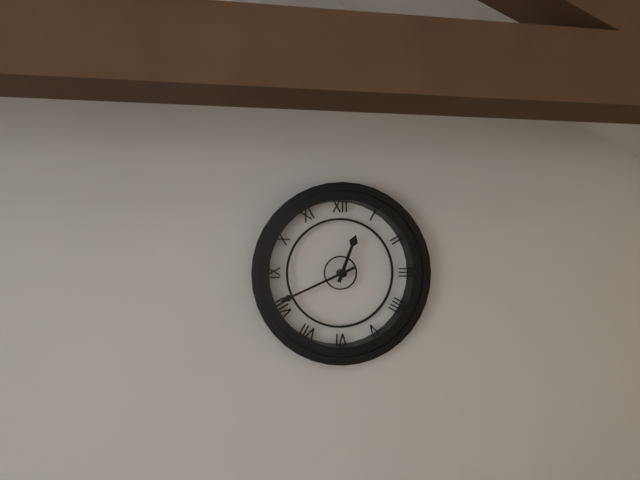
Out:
h=12 m=41
